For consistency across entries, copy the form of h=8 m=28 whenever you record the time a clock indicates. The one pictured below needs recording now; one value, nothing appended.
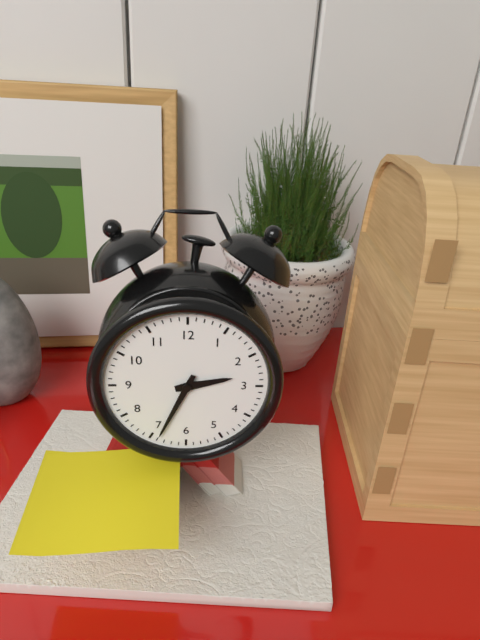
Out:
h=2 m=34
